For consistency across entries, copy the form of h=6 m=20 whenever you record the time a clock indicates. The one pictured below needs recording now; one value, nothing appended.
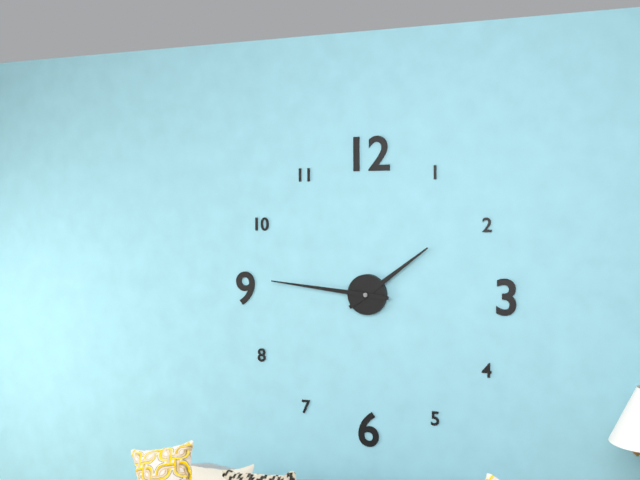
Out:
h=1 m=46
